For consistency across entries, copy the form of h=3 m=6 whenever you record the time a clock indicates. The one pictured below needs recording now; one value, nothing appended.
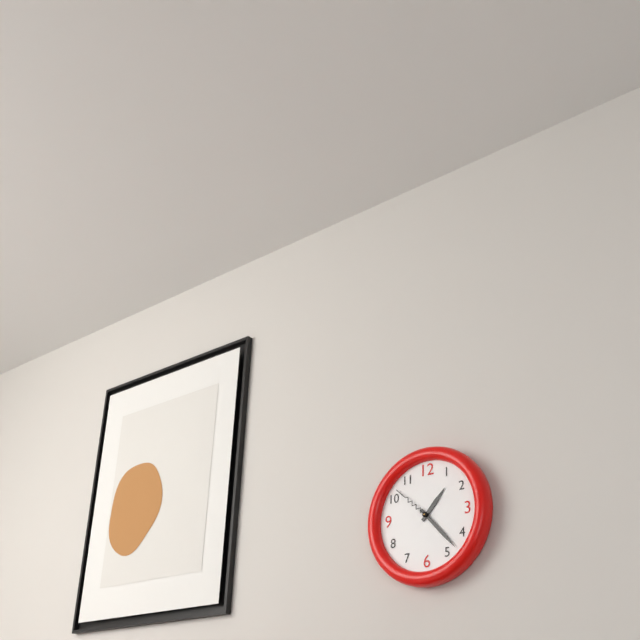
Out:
h=1 m=23
